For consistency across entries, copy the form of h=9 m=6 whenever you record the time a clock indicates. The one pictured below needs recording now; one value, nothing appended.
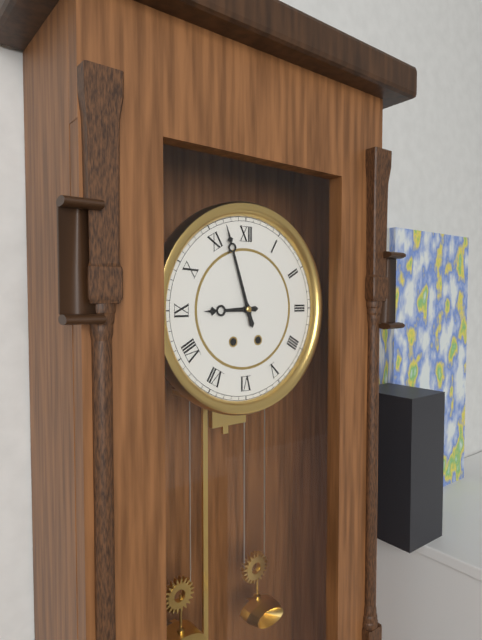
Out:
h=8 m=57
